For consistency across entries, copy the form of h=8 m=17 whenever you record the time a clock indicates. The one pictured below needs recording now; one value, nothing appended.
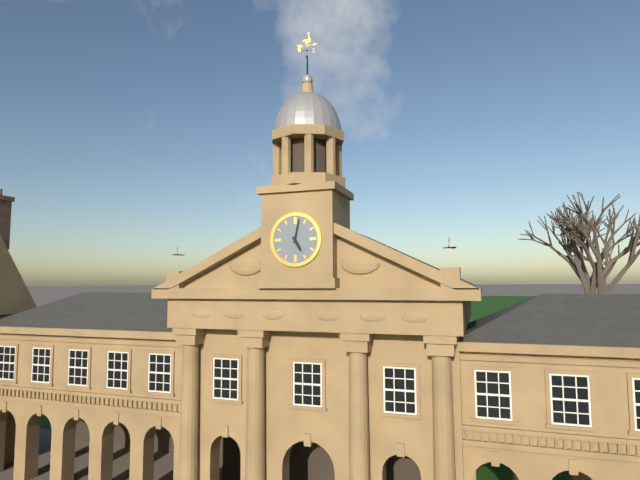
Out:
h=5 m=2
